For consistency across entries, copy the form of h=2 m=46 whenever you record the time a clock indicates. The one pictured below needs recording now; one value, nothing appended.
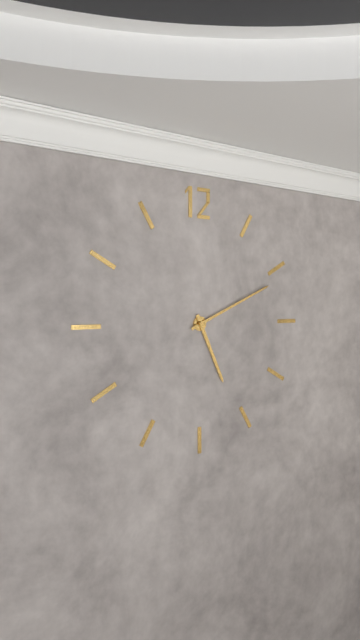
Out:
h=5 m=11
